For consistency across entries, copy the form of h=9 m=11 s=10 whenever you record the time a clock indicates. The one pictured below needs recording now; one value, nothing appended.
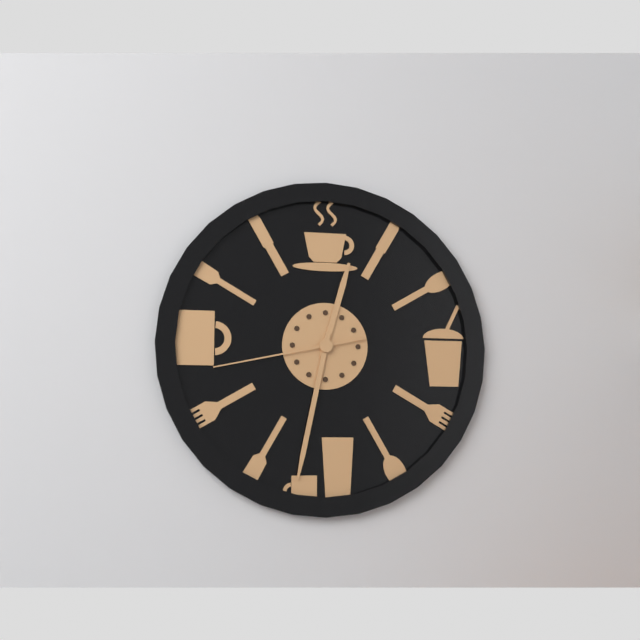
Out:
h=12 m=32 s=43
